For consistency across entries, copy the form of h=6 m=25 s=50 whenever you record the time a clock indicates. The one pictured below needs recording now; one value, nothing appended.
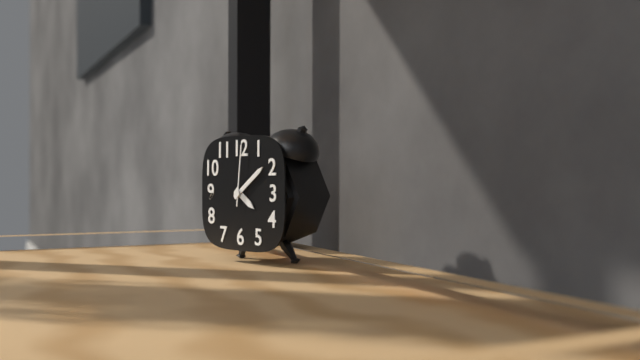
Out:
h=4 m=9 s=1
